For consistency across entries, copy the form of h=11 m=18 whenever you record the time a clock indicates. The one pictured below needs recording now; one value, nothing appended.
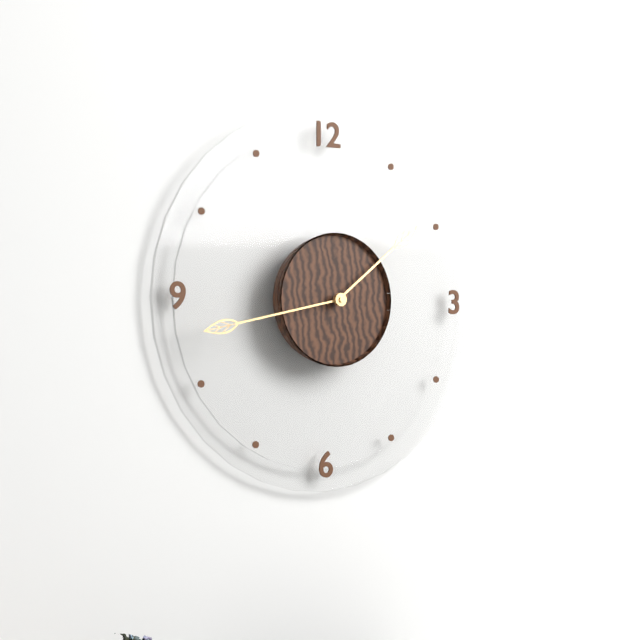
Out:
h=1 m=43
